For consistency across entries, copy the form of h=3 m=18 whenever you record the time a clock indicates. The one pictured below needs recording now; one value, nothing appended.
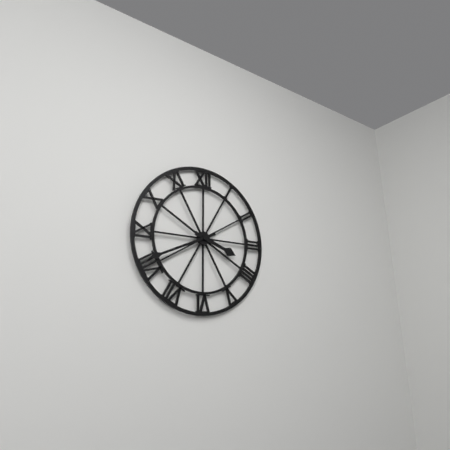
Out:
h=3 m=41
